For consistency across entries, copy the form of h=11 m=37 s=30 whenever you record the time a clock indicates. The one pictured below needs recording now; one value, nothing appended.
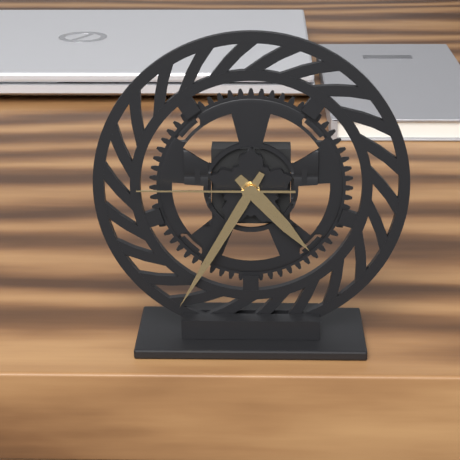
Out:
h=4 m=35 s=45
